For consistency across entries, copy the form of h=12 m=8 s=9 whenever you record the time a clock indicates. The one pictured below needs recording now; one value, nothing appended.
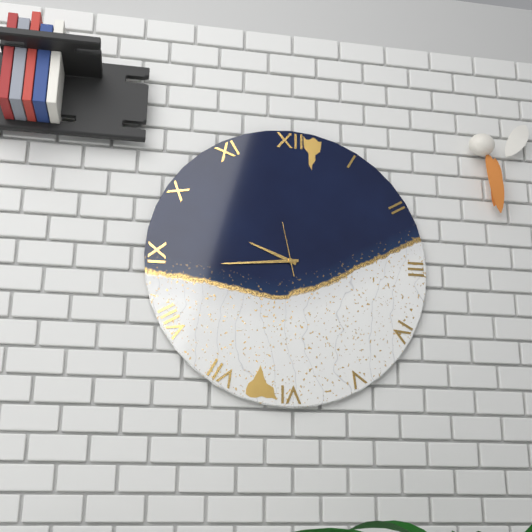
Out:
h=9 m=44 s=58
